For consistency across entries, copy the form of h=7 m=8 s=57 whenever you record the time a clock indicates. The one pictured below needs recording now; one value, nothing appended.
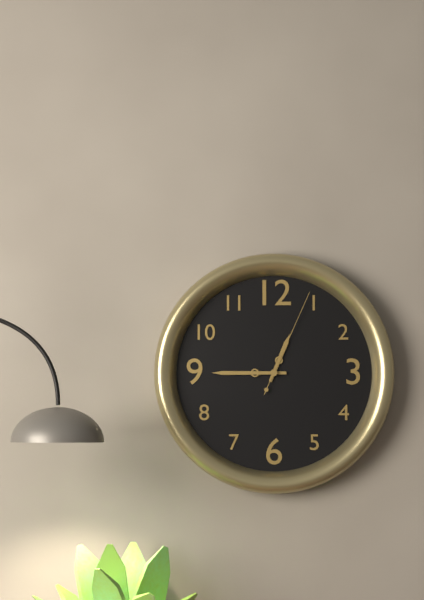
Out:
h=12 m=45 s=4
